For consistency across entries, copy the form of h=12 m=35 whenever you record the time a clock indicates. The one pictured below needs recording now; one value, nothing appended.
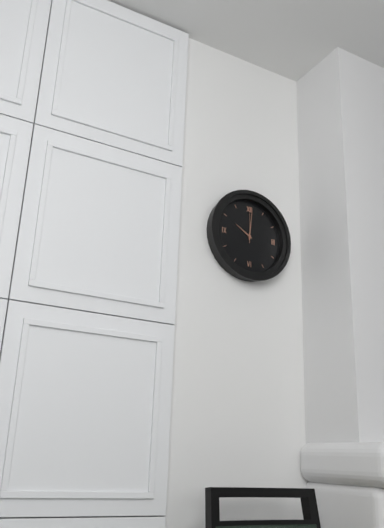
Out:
h=10 m=1
